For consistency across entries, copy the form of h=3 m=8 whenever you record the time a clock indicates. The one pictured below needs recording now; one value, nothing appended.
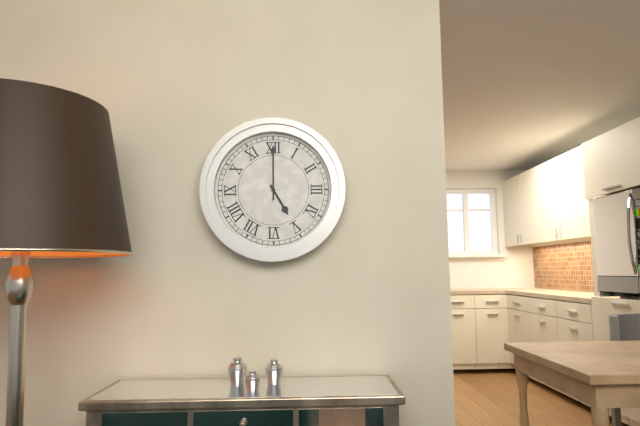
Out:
h=5 m=0
